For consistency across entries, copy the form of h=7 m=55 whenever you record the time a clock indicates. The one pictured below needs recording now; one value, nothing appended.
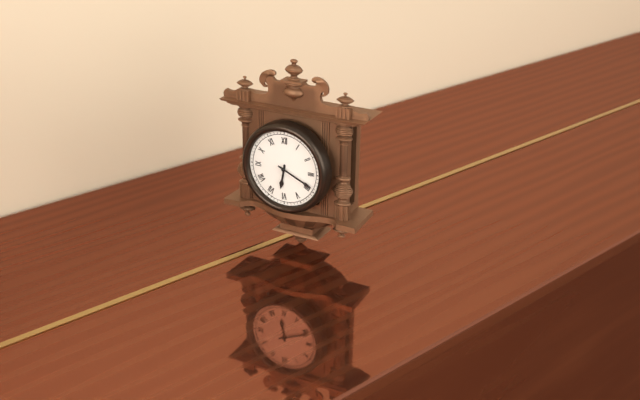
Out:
h=6 m=19
